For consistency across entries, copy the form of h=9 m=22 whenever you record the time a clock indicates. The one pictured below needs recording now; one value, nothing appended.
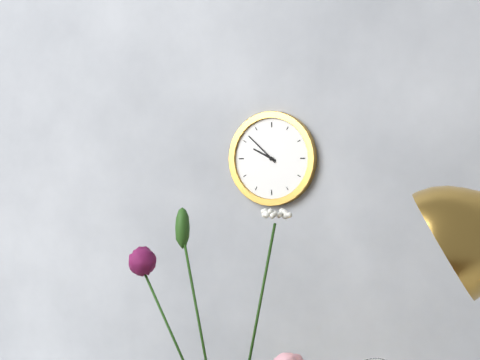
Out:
h=9 m=52
